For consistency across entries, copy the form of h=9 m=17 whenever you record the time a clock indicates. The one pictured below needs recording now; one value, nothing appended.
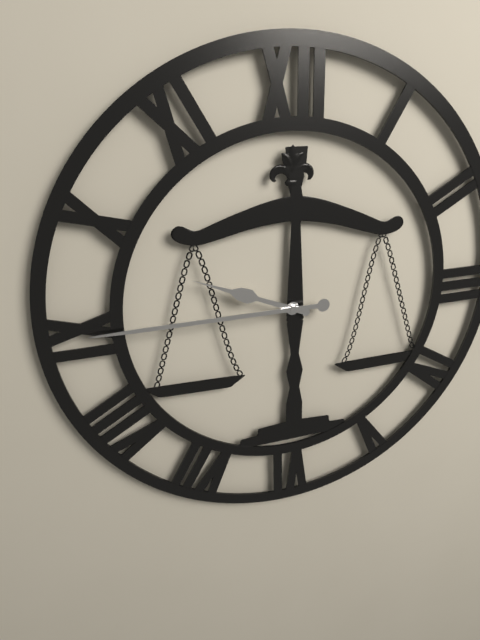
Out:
h=9 m=45
